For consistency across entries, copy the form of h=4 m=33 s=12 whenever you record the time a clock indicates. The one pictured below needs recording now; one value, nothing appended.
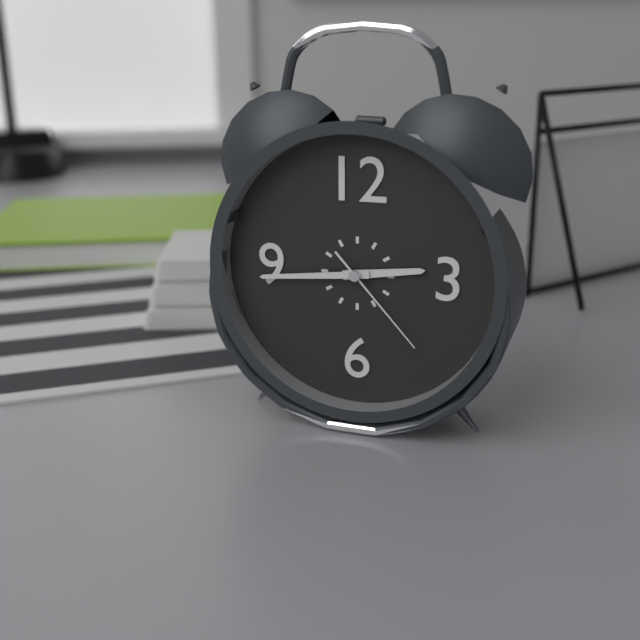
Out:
h=2 m=44 s=23
